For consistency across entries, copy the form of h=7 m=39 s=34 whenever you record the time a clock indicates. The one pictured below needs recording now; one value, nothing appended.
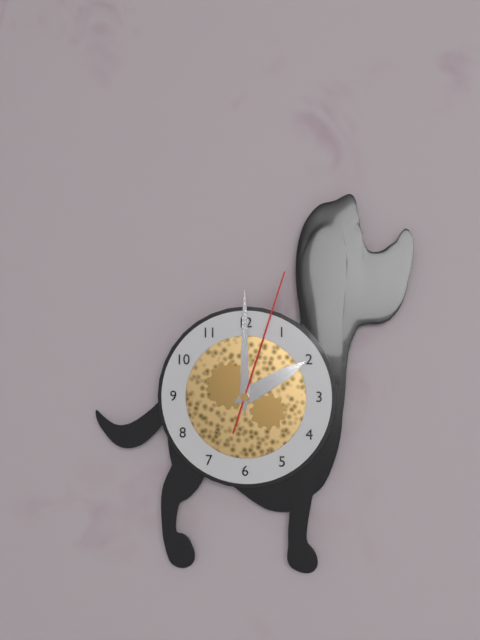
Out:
h=2 m=0 s=3
